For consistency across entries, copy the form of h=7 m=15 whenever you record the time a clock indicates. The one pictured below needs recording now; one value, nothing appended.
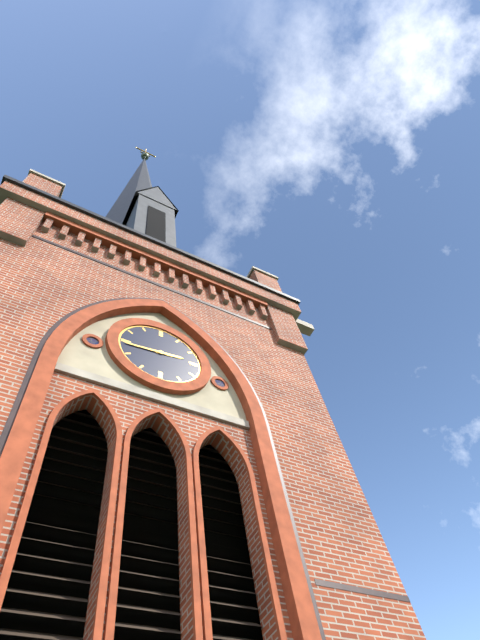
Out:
h=2 m=44
